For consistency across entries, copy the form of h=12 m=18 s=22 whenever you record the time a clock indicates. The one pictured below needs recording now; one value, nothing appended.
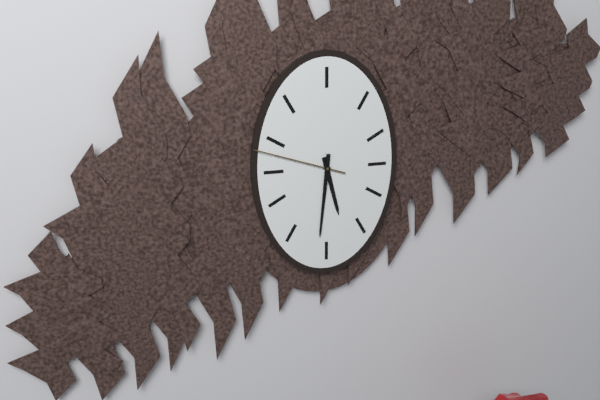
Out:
h=5 m=31 s=48
